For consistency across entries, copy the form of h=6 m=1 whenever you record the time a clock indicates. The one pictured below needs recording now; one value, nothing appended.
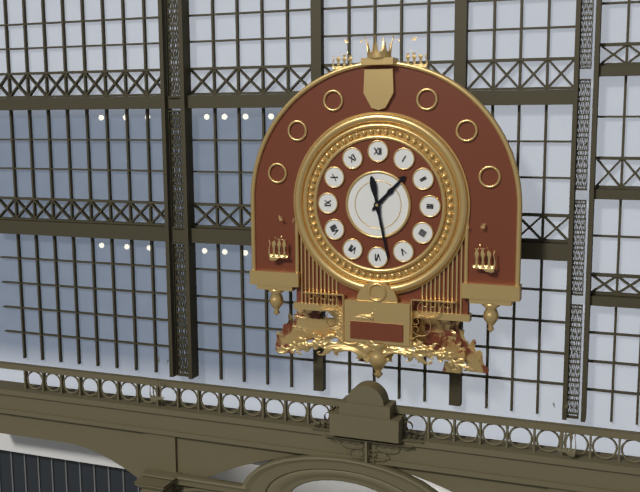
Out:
h=1 m=28
